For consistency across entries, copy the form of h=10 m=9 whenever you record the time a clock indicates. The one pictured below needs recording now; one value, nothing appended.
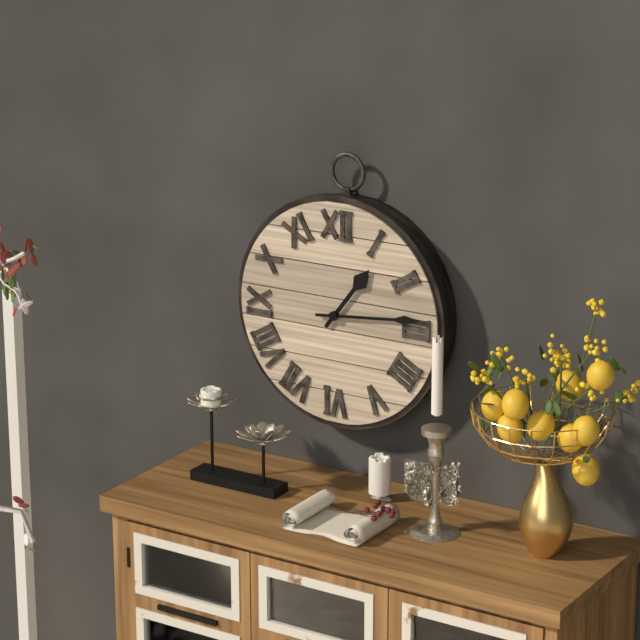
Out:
h=1 m=14
